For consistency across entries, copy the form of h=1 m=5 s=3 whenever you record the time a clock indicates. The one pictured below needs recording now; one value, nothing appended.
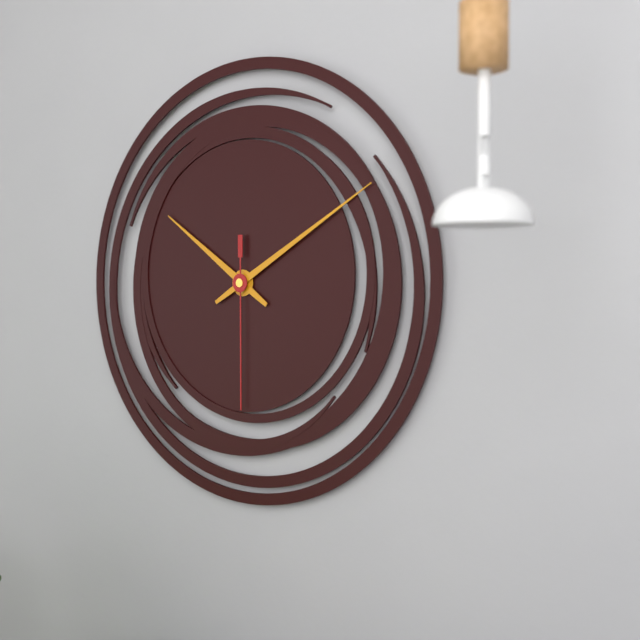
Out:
h=10 m=10 s=30
